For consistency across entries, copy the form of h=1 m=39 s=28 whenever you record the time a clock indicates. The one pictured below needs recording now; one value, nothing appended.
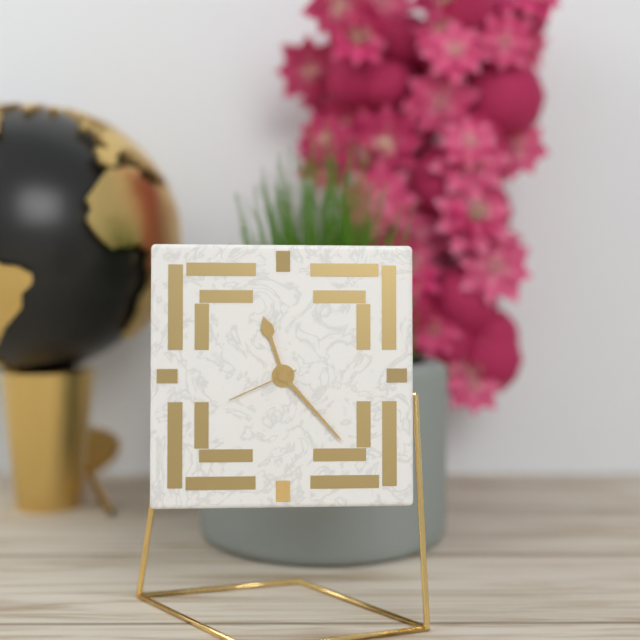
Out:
h=11 m=23 s=41
